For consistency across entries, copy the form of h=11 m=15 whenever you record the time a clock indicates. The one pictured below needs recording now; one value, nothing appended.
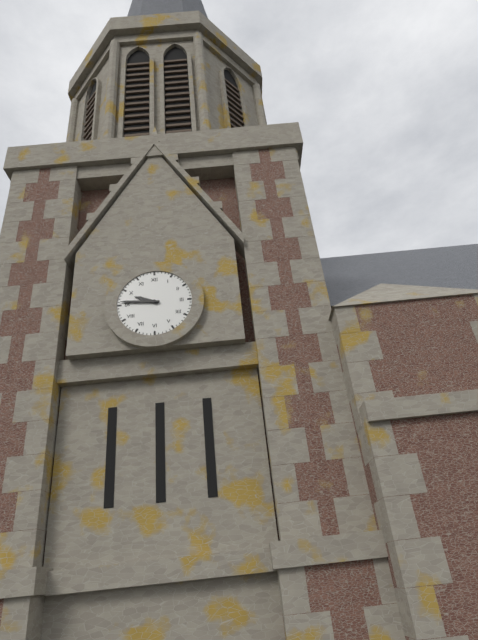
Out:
h=9 m=46
